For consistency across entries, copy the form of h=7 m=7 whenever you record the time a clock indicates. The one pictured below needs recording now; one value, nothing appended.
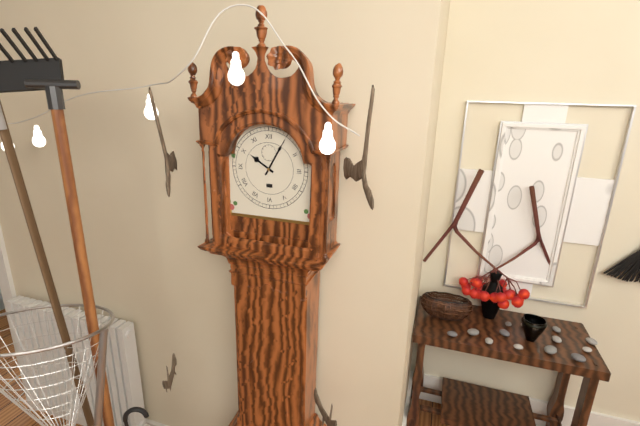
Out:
h=10 m=5
